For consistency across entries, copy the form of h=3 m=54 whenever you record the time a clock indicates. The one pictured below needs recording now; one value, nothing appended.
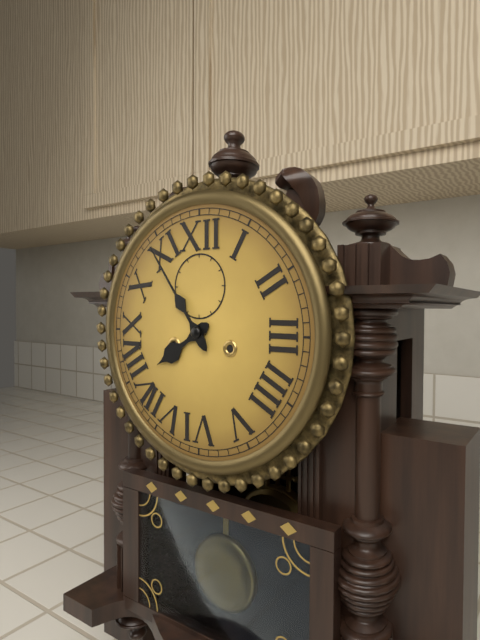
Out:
h=7 m=54
